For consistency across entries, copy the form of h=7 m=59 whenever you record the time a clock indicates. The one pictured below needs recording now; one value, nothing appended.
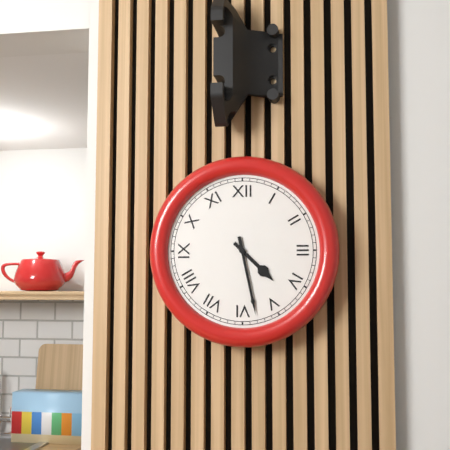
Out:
h=4 m=28
